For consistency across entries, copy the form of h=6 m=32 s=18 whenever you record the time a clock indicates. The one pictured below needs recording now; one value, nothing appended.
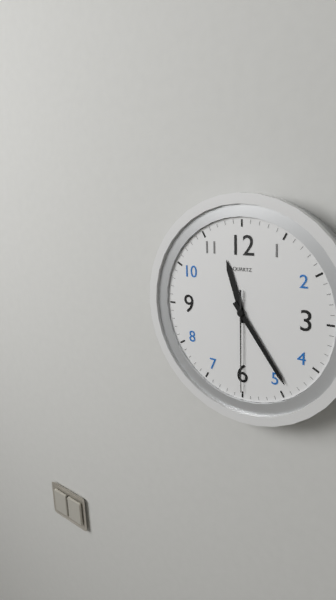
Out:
h=11 m=24 s=30
